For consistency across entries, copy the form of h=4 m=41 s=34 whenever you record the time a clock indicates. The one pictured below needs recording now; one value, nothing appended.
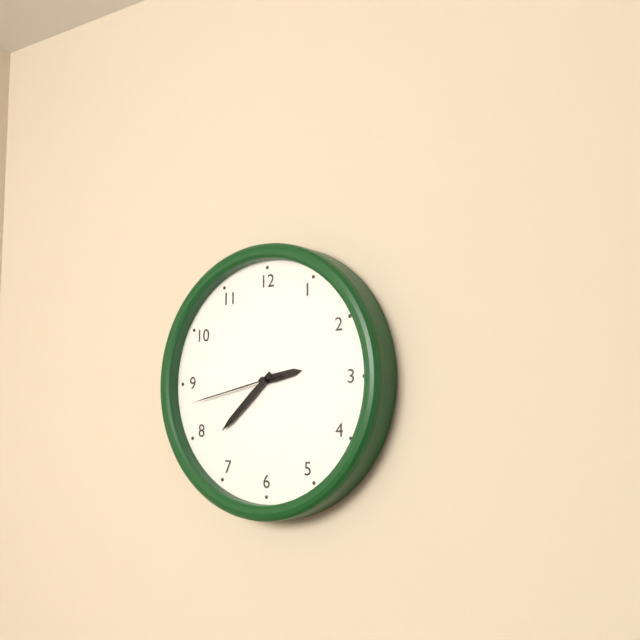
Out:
h=2 m=38 s=43
